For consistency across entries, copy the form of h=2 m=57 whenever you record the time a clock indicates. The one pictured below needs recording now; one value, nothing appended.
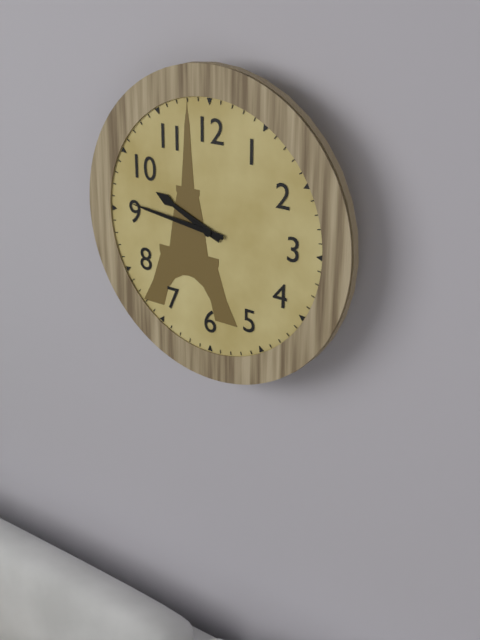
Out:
h=9 m=46
